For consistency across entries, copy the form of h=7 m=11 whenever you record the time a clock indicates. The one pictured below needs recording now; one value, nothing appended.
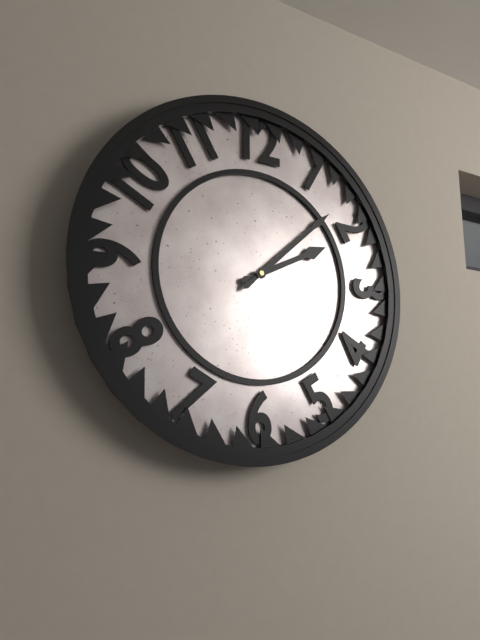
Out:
h=2 m=8
